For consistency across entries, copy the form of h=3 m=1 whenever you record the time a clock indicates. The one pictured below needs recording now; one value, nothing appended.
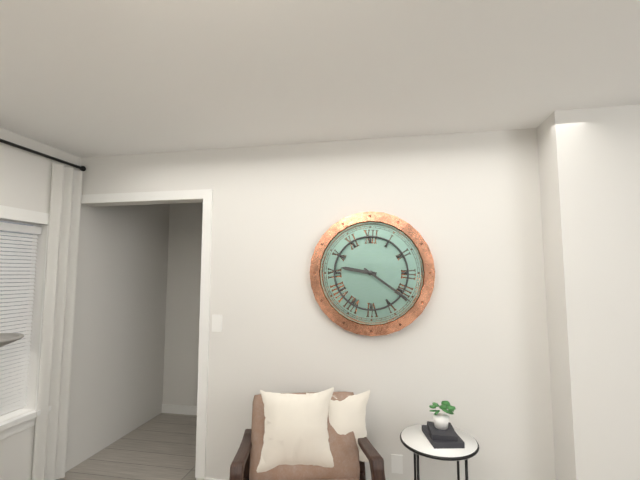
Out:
h=9 m=21
